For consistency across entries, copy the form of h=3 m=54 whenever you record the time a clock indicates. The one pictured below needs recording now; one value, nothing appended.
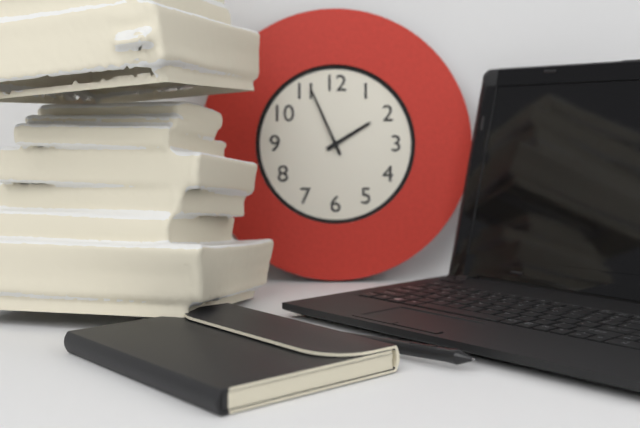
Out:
h=1 m=56
